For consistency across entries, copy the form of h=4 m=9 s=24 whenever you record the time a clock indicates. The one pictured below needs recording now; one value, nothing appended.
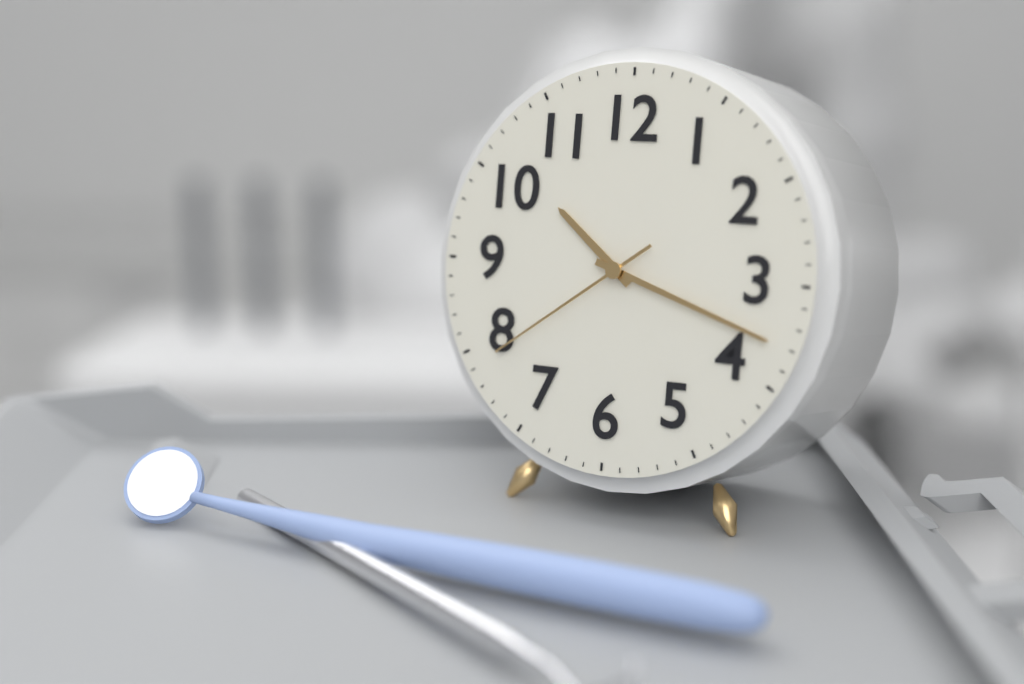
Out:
h=10 m=18 s=39
